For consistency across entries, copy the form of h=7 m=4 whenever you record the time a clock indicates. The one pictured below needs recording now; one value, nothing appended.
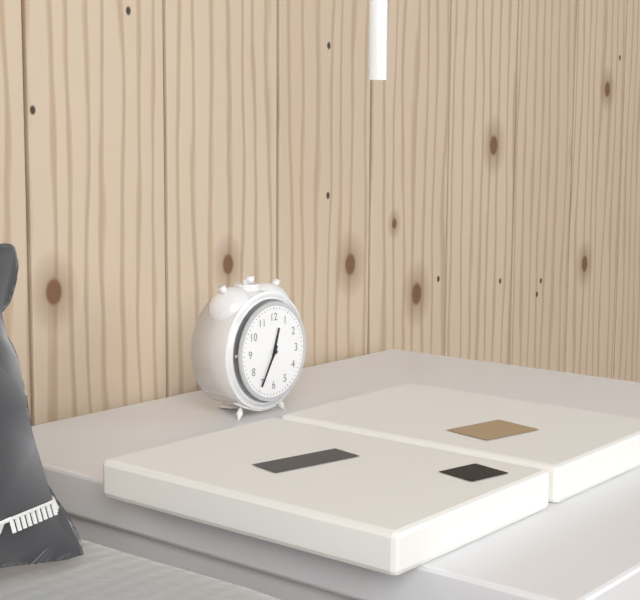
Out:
h=12 m=35
